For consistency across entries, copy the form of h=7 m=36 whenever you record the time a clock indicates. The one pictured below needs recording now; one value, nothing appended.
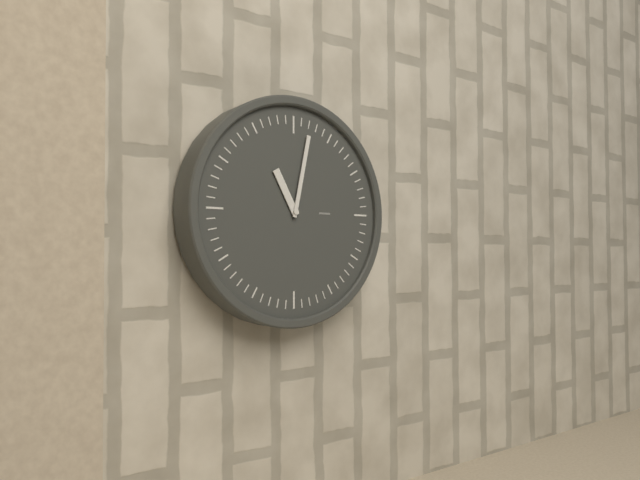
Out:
h=11 m=2
